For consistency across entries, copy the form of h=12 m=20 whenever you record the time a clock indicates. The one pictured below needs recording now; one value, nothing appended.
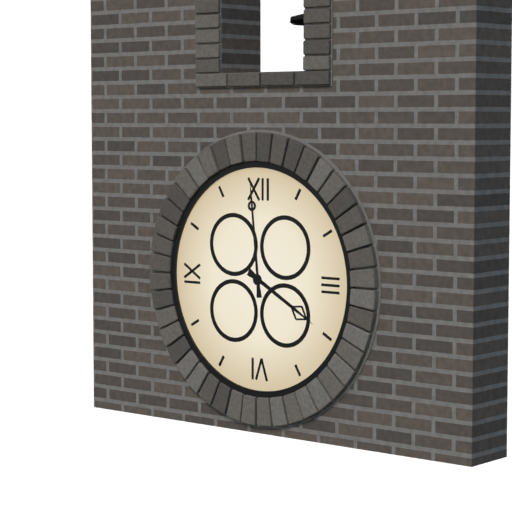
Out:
h=3 m=59
